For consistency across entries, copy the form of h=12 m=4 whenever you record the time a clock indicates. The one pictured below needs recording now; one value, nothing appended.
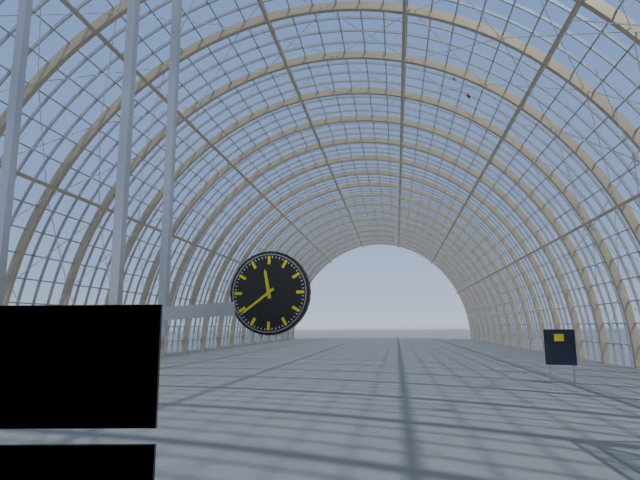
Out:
h=11 m=39
